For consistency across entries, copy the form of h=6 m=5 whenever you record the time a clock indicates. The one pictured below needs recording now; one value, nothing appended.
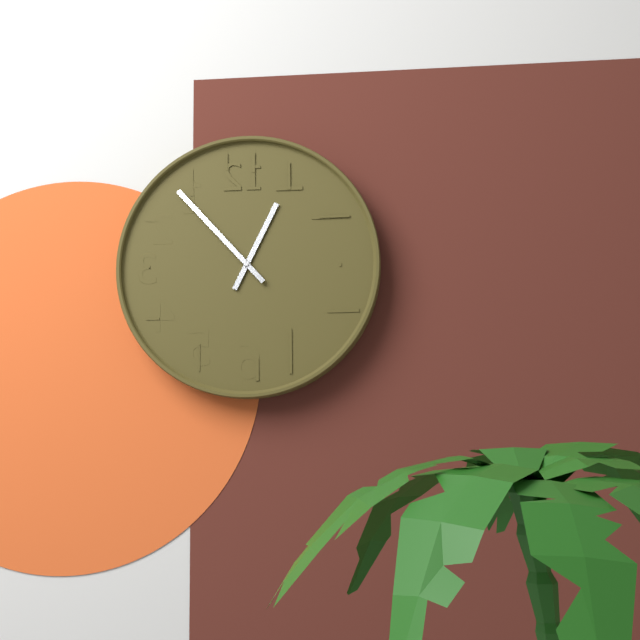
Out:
h=12 m=53
